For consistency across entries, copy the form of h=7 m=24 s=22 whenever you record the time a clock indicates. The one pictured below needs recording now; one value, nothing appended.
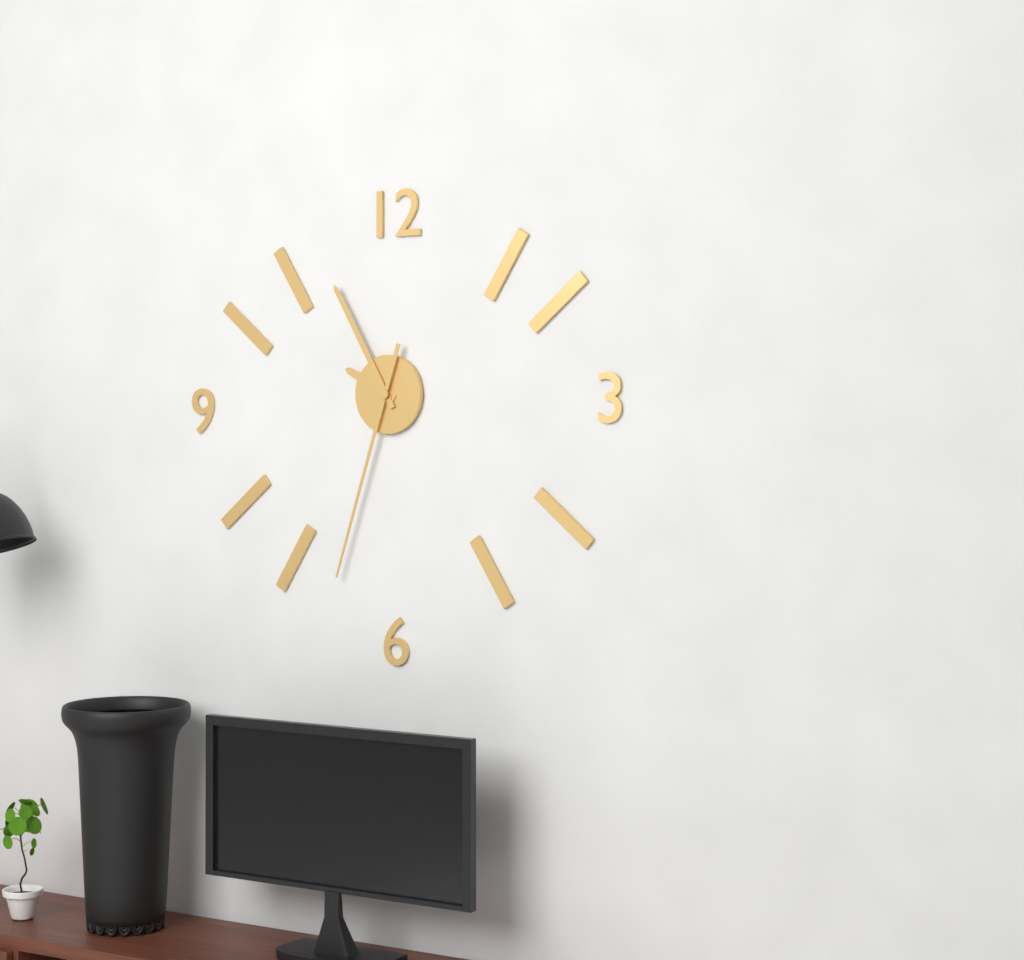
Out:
h=9 m=55 s=33
